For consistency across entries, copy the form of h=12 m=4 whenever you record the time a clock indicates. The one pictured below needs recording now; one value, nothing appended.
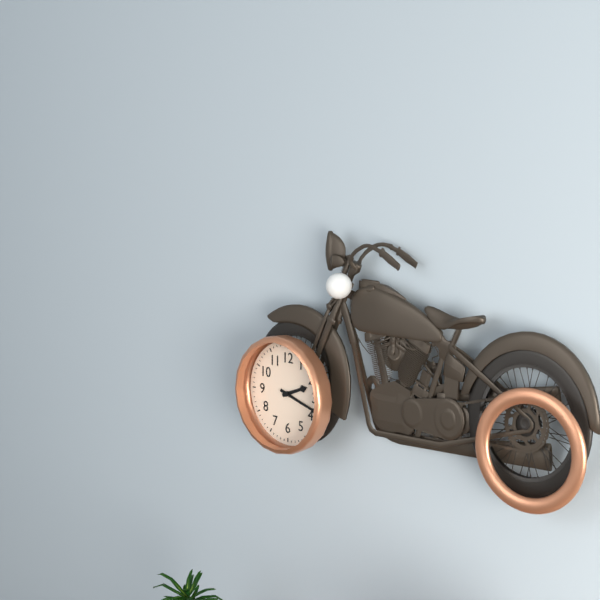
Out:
h=2 m=18
